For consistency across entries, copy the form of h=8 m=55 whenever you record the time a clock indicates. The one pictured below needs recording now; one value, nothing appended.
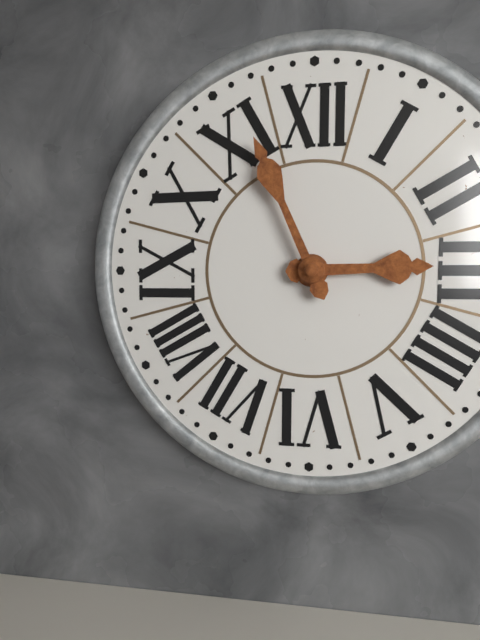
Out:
h=2 m=56
